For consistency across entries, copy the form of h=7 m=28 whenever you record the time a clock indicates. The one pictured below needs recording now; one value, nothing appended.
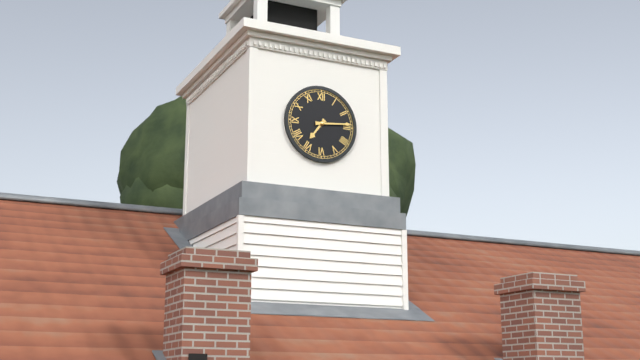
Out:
h=7 m=14
